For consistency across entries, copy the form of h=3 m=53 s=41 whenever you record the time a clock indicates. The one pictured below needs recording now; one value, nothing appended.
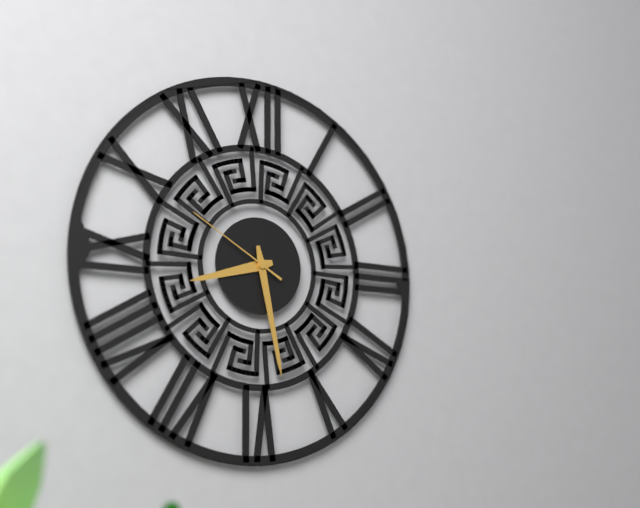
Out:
h=8 m=28 s=50
